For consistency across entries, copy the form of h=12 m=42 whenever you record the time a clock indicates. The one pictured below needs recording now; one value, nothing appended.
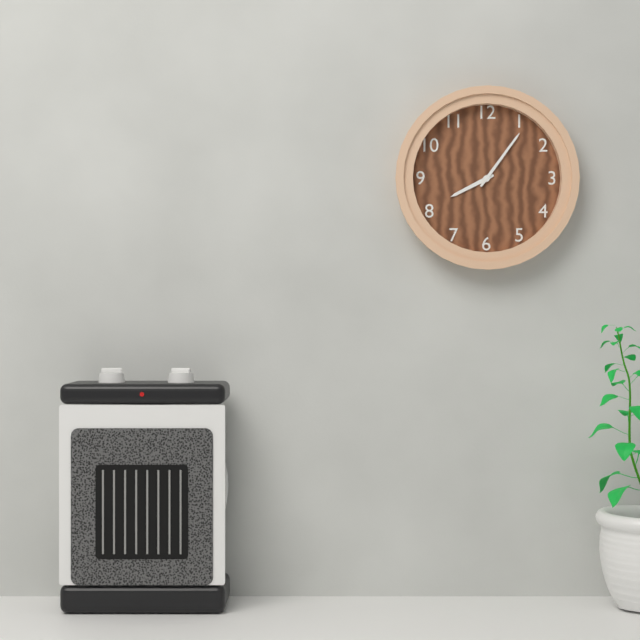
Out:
h=8 m=6
